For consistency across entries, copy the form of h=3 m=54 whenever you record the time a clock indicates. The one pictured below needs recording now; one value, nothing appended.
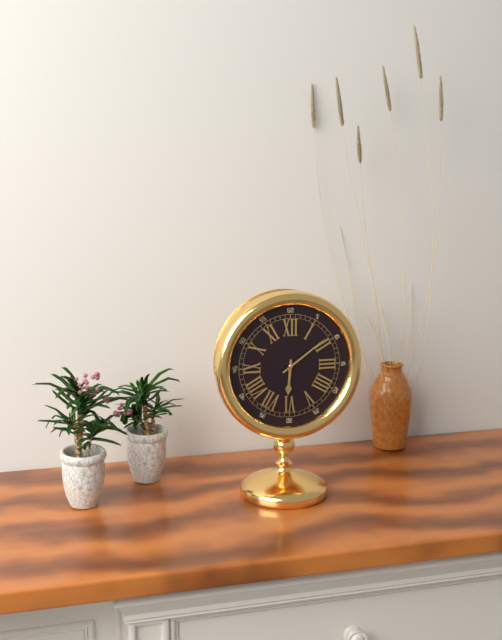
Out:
h=6 m=9
